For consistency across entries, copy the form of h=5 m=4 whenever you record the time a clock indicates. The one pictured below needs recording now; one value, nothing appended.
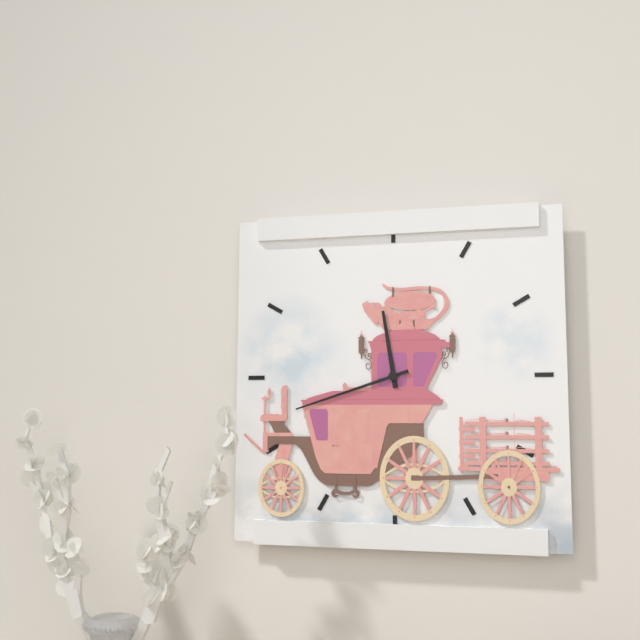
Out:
h=11 m=42
